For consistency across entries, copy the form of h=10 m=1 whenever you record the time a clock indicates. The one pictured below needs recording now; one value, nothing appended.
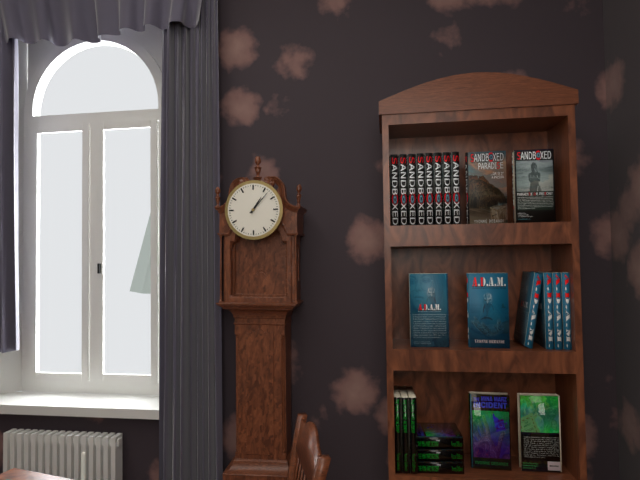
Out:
h=1 m=7
